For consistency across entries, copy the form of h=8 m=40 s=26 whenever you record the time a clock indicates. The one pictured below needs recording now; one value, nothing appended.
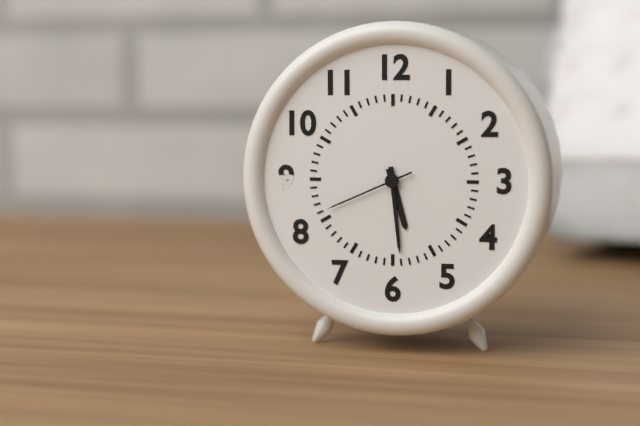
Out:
h=5 m=29 s=41
